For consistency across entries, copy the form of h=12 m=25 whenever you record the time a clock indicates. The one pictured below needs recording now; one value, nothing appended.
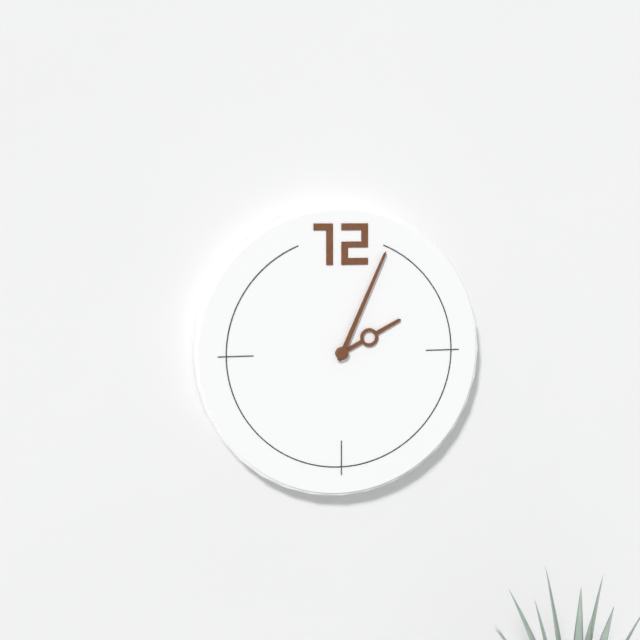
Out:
h=2 m=4
